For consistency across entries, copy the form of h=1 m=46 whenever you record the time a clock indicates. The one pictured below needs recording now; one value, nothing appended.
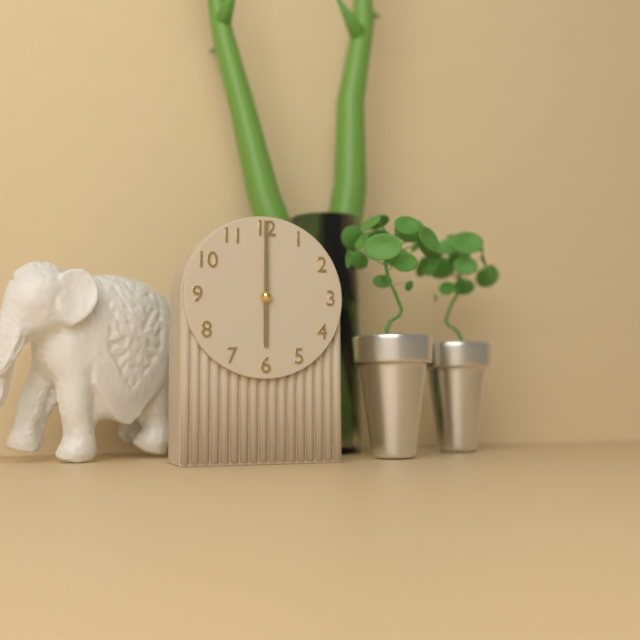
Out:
h=6 m=0
